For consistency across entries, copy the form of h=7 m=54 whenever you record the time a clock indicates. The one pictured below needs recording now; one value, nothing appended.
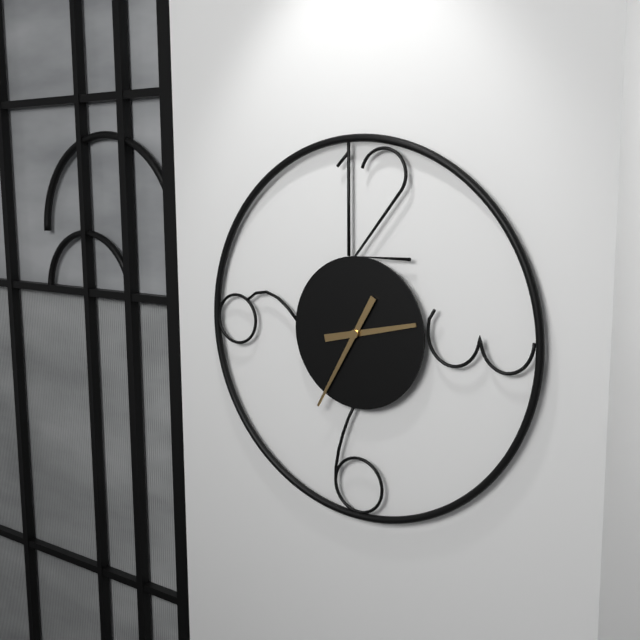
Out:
h=2 m=35
